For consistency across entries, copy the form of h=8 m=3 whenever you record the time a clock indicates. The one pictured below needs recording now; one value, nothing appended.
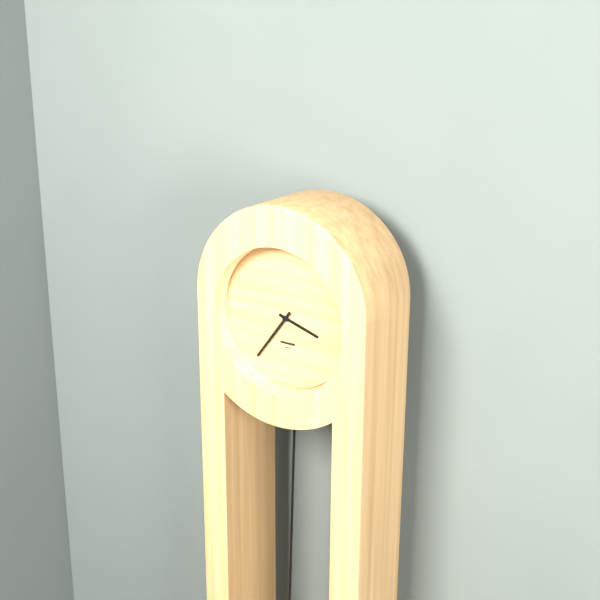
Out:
h=3 m=36
